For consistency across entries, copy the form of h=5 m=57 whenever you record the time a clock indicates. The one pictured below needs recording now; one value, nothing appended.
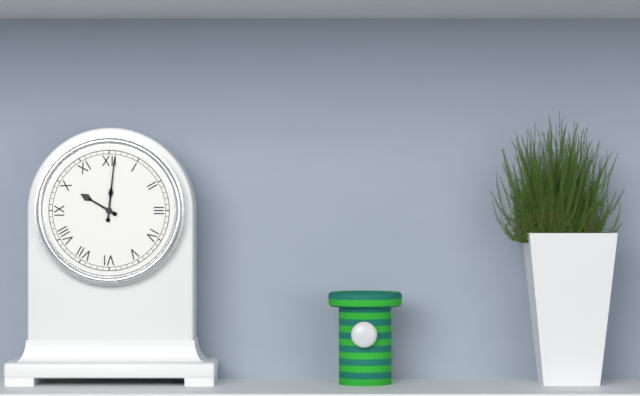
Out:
h=10 m=1
